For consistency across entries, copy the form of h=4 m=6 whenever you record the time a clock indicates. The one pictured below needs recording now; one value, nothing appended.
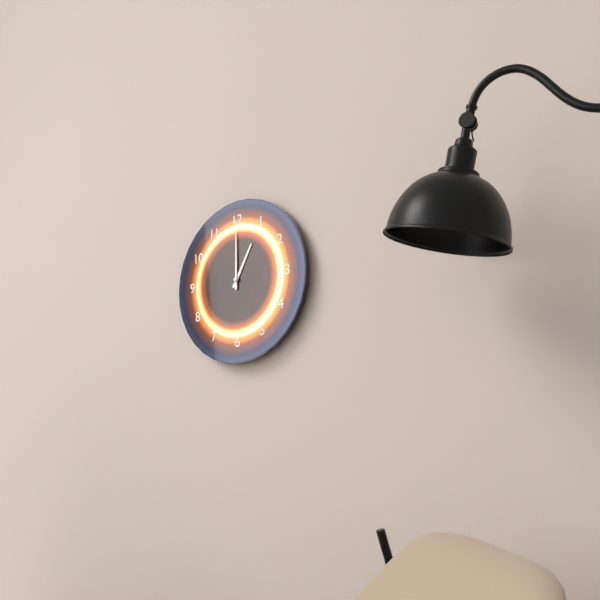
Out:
h=1 m=0
